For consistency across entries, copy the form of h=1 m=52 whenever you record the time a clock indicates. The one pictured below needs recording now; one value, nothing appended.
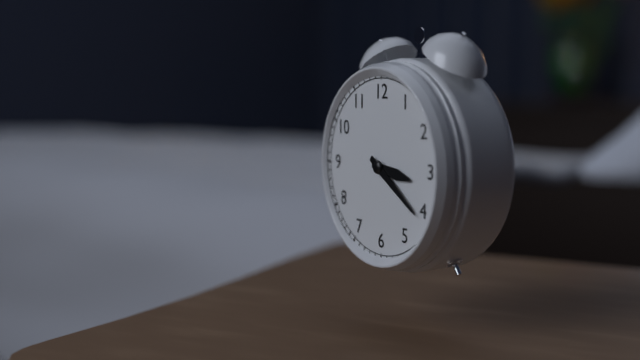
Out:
h=3 m=21
